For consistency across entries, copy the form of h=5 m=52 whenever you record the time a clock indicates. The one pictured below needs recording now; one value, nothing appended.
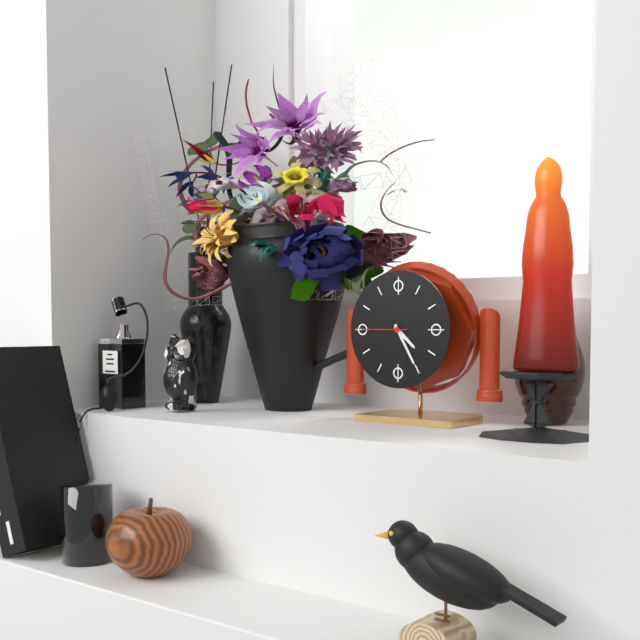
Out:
h=4 m=25
